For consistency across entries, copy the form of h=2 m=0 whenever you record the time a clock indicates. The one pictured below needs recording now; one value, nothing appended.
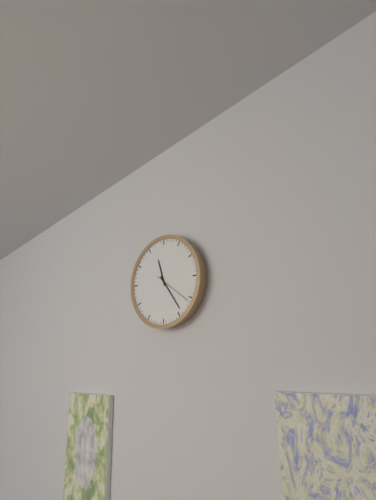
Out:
h=11 m=24
